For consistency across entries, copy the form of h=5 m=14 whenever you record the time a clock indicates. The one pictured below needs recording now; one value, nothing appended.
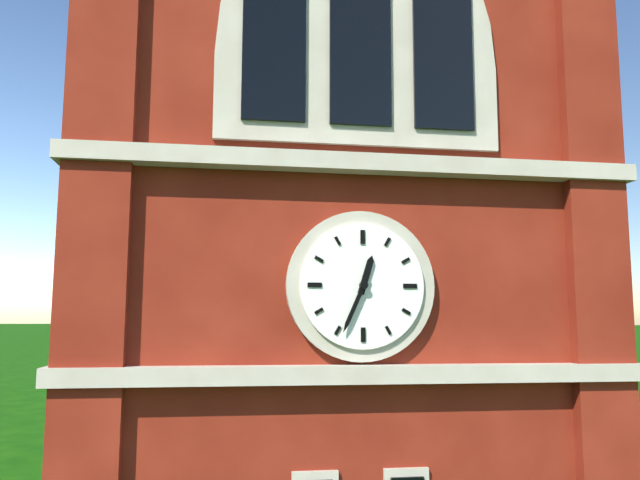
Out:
h=12 m=34
